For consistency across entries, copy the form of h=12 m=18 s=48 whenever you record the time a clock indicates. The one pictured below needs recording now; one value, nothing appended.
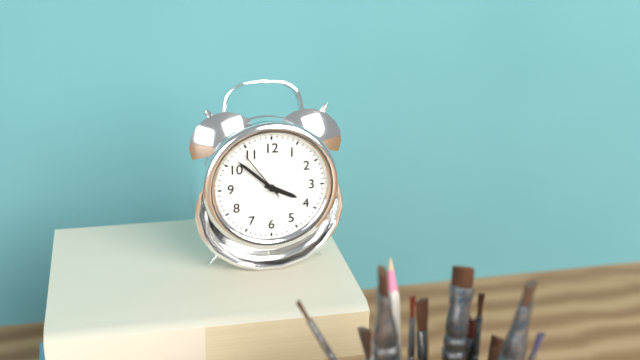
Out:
h=3 m=52 s=54
